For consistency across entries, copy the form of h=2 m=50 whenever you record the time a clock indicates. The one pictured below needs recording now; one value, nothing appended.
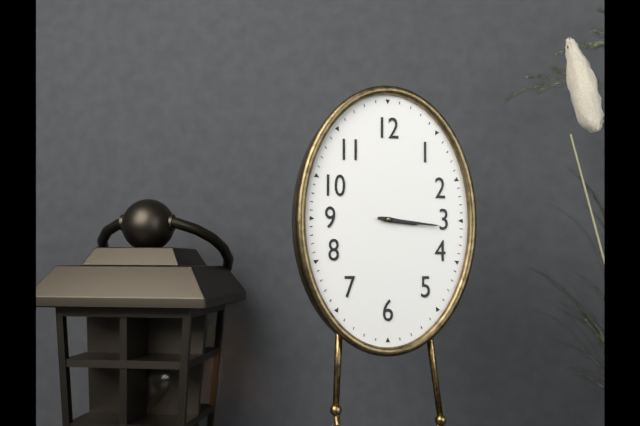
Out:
h=3 m=16
